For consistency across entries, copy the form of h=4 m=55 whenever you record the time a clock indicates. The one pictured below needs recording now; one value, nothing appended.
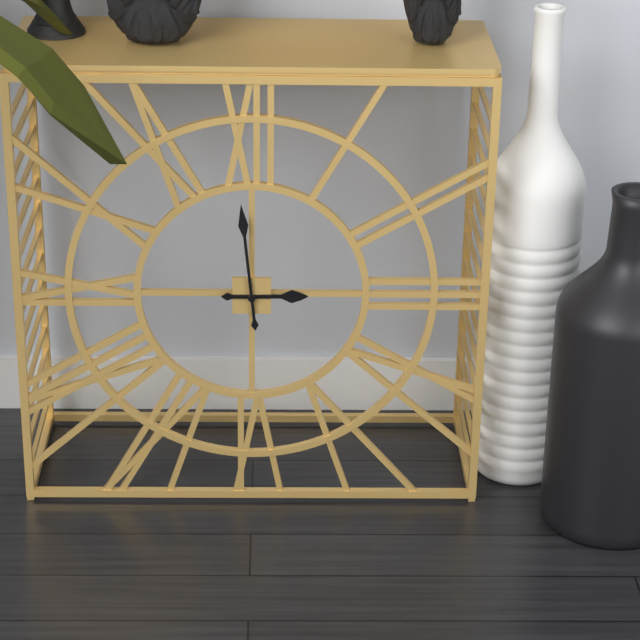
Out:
h=2 m=59
